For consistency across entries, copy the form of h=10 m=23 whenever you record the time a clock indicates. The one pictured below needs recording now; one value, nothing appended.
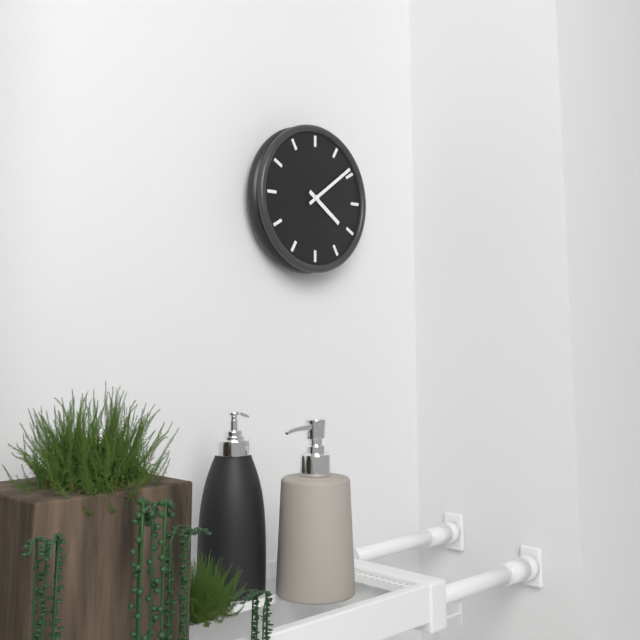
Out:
h=4 m=9
